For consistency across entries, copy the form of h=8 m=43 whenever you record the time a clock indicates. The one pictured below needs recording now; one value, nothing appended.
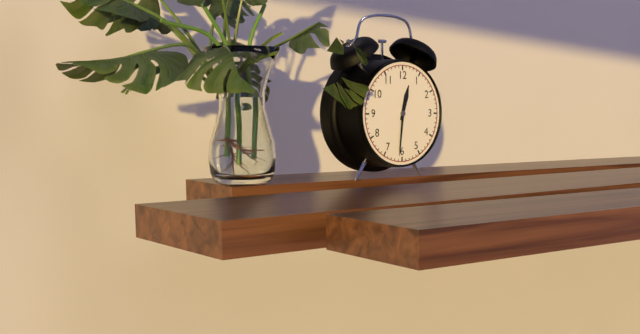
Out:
h=12 m=31
